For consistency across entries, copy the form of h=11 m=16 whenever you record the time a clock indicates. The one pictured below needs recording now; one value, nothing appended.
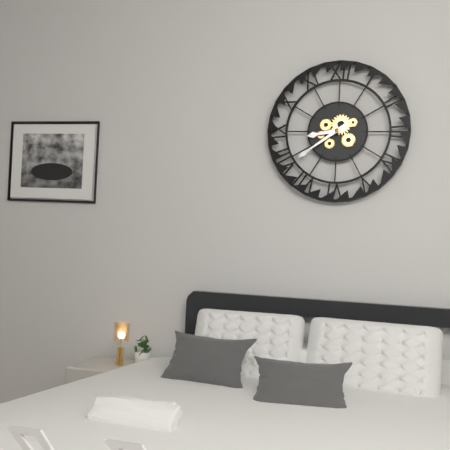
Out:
h=8 m=39
